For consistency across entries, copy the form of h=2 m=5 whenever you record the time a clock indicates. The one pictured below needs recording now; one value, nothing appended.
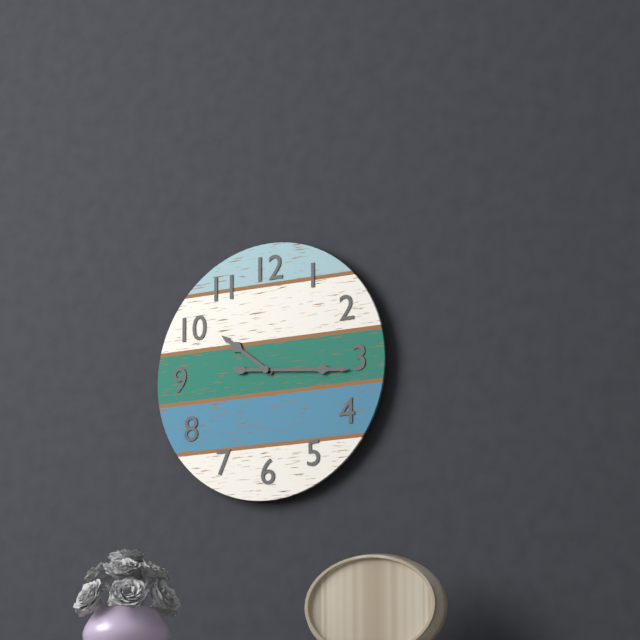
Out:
h=10 m=16
